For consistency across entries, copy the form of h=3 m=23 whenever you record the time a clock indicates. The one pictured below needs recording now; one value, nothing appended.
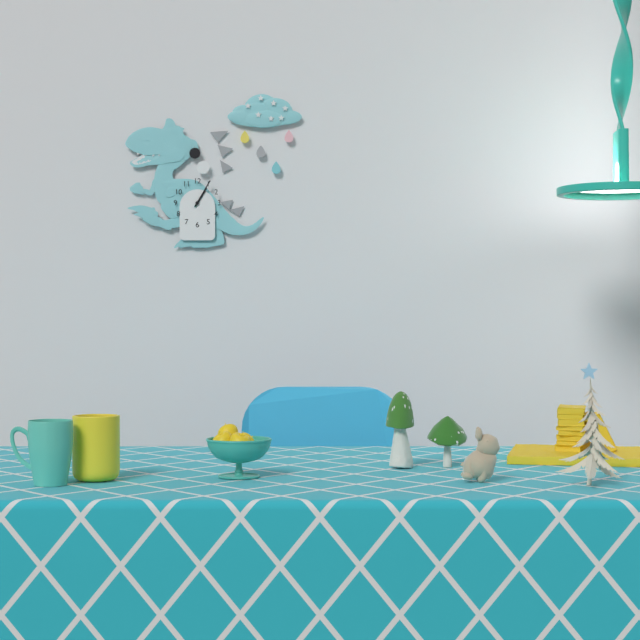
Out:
h=1 m=5
